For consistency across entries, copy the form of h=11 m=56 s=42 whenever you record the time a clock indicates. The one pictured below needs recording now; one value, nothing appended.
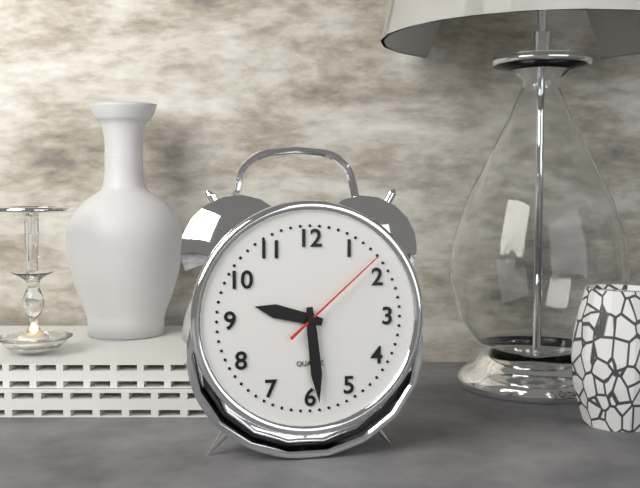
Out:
h=9 m=29 s=8
